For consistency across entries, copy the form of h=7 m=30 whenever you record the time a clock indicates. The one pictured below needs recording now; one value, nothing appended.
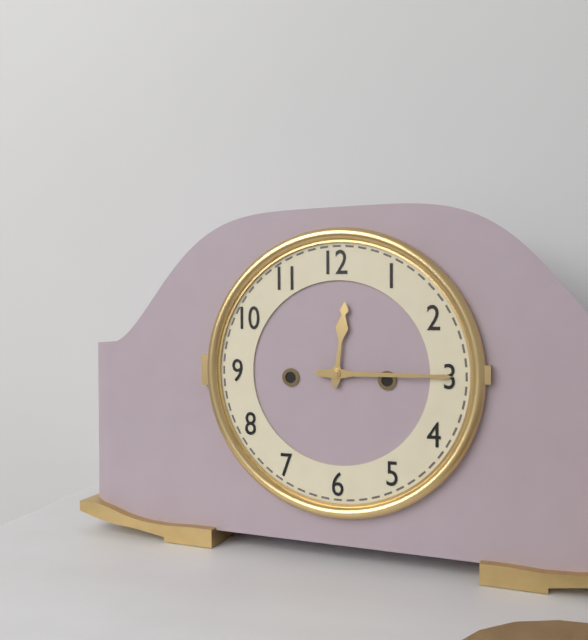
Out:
h=12 m=15
